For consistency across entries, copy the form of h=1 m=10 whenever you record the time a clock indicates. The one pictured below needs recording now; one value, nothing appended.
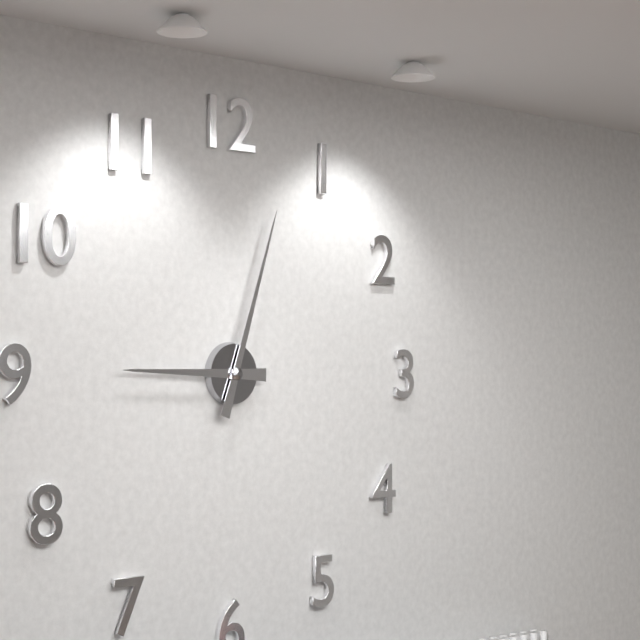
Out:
h=9 m=3
